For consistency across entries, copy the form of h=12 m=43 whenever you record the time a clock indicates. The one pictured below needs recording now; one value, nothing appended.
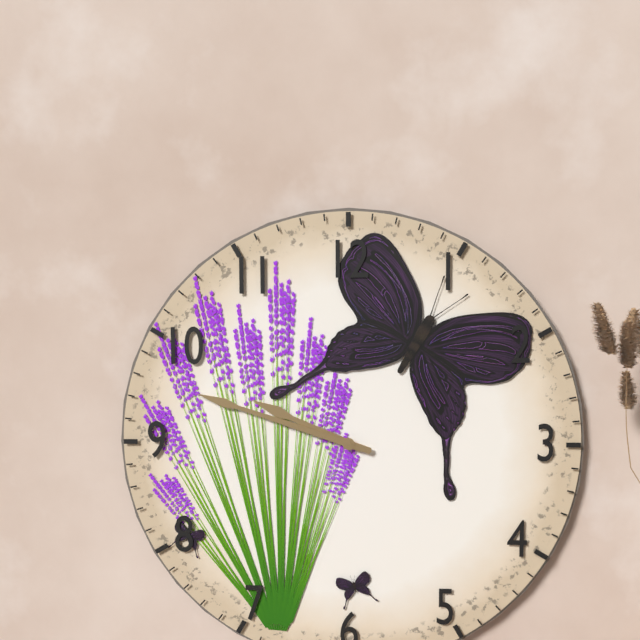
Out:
h=9 m=48
